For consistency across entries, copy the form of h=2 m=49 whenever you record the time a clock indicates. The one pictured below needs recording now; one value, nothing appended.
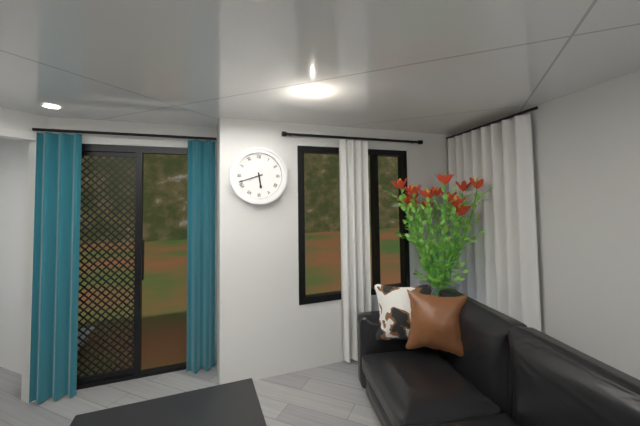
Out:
h=5 m=42
